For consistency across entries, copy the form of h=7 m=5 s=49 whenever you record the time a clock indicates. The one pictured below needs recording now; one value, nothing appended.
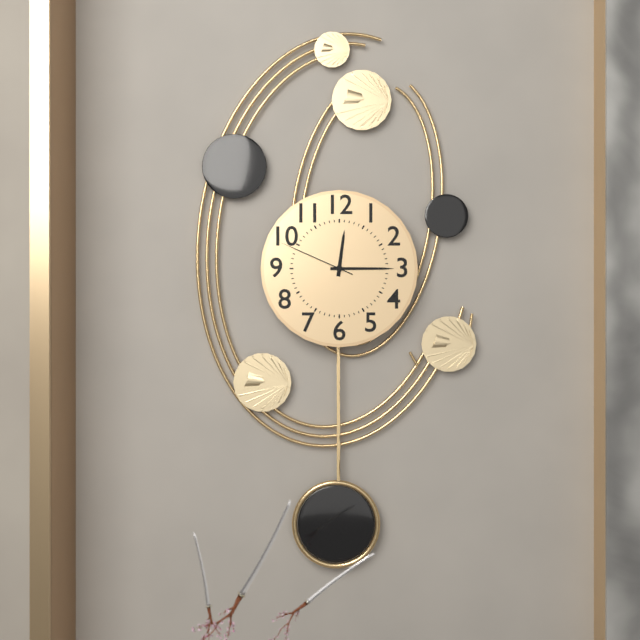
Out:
h=12 m=15 s=49
